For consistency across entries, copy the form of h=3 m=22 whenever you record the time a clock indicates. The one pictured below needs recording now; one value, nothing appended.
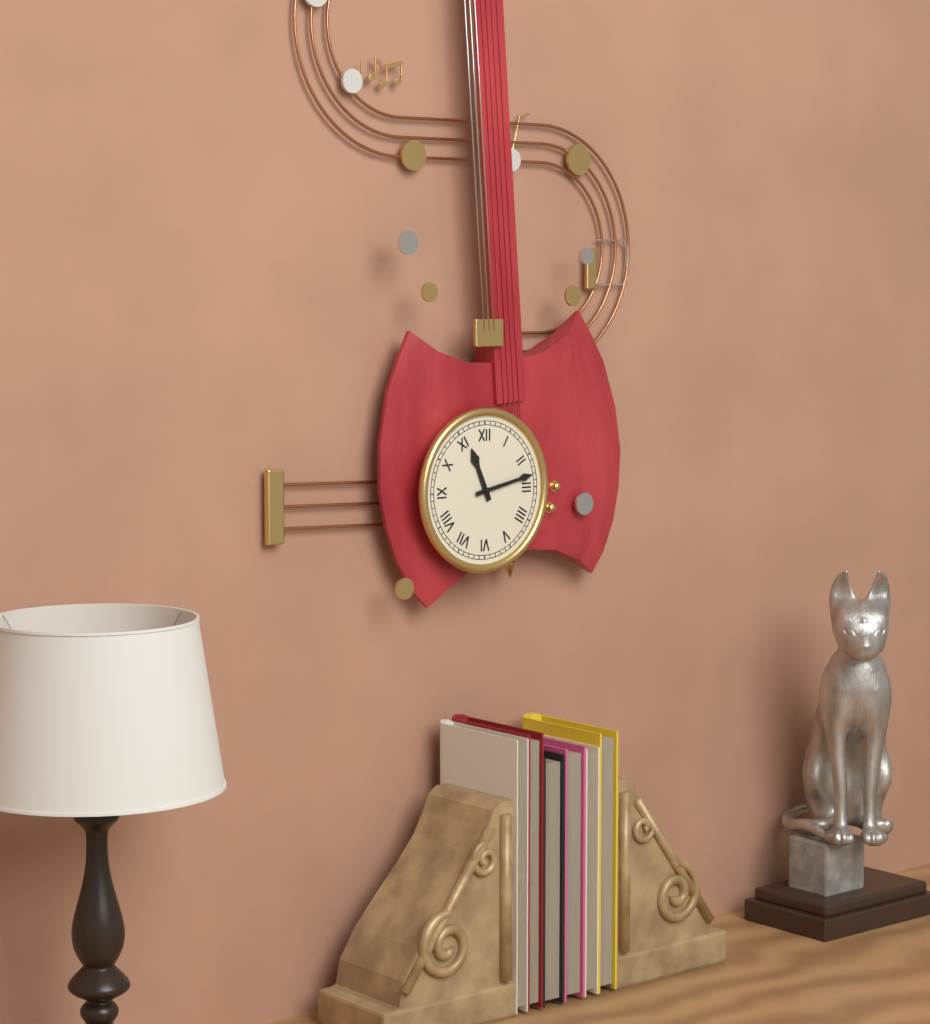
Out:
h=11 m=13
